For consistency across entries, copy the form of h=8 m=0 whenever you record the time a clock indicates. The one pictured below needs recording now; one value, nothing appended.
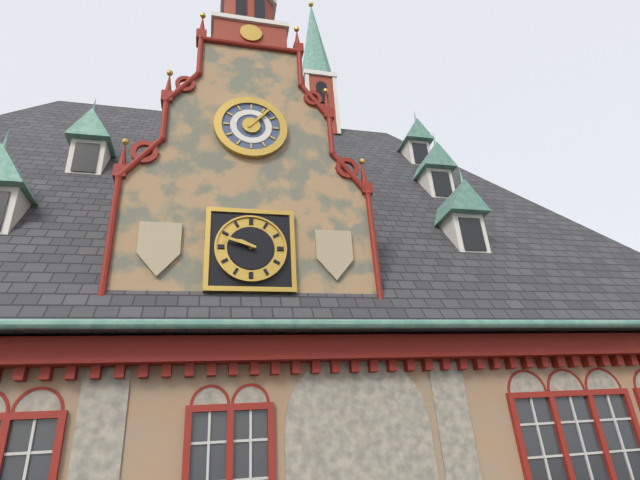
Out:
h=9 m=48
